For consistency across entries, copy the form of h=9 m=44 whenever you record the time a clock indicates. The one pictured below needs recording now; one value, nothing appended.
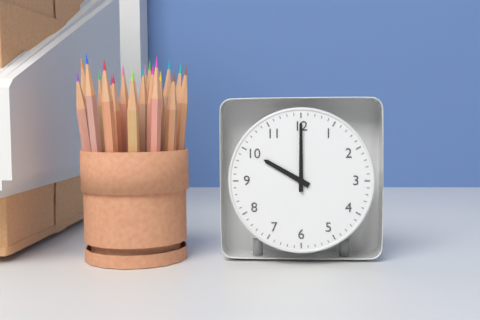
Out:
h=10 m=0
